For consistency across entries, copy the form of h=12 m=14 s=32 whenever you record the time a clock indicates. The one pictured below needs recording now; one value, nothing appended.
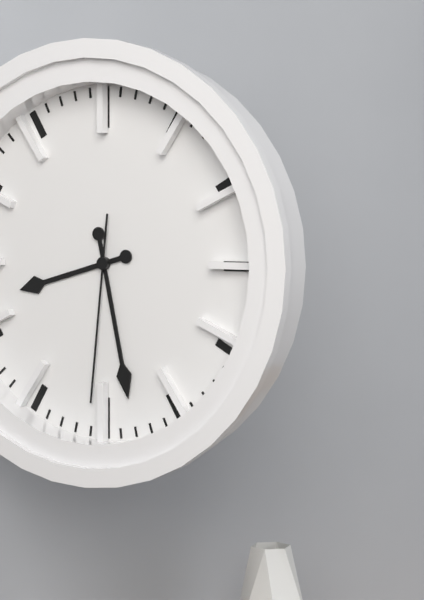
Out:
h=8 m=28 s=31
